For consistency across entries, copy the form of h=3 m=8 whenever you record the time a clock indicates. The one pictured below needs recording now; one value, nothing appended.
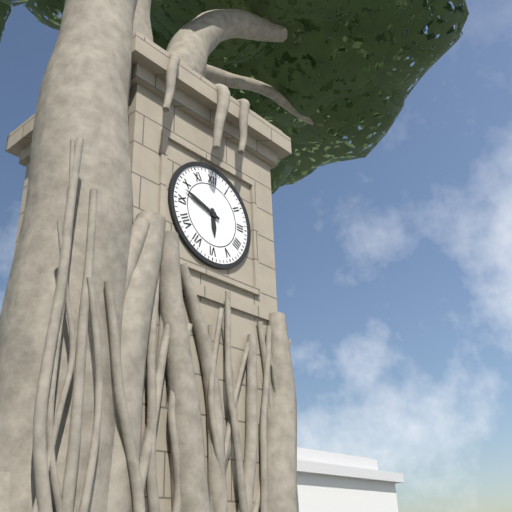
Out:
h=5 m=48
